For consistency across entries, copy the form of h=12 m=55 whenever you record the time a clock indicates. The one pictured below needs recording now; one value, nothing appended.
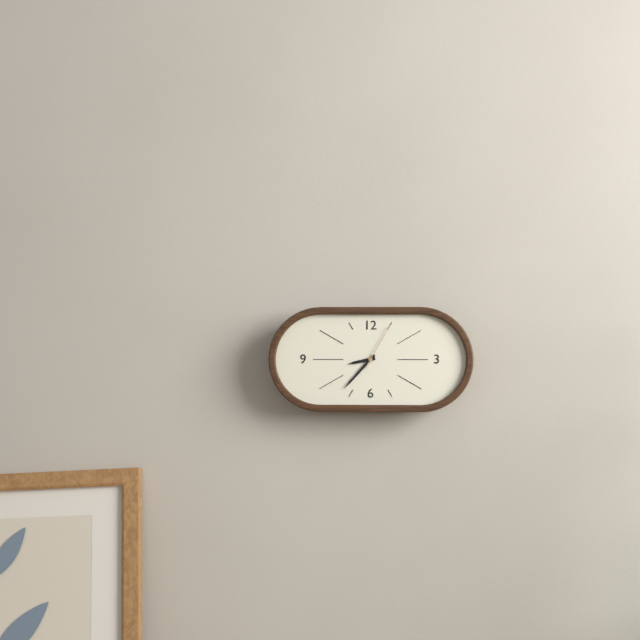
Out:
h=8 m=37
